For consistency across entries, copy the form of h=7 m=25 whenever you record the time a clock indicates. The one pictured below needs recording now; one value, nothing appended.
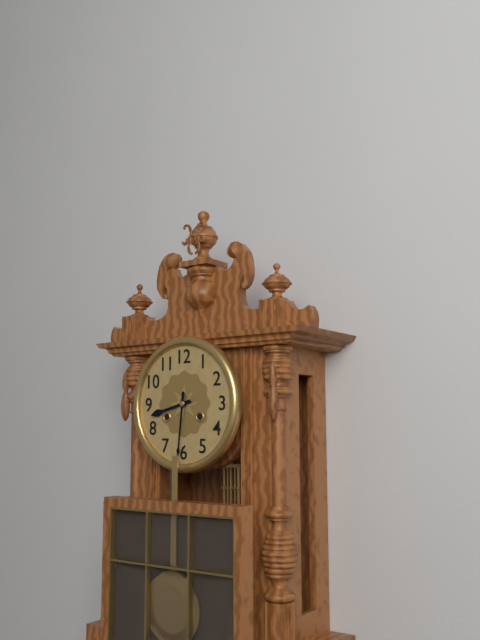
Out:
h=8 m=31
